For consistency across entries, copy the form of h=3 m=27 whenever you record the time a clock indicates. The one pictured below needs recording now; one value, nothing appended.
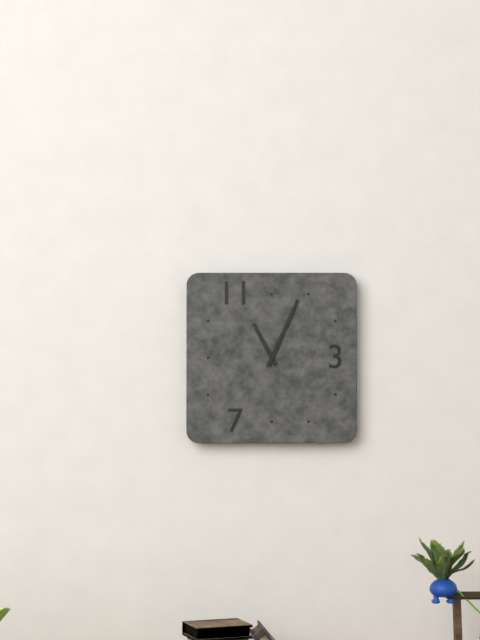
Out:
h=11 m=4
